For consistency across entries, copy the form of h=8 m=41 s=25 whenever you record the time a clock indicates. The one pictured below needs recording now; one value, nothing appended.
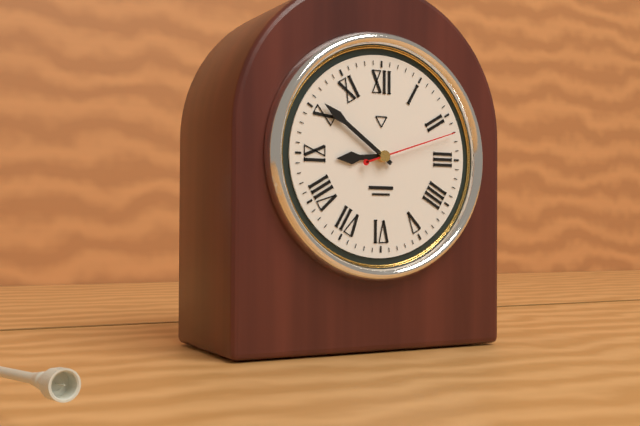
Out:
h=8 m=51 s=12
